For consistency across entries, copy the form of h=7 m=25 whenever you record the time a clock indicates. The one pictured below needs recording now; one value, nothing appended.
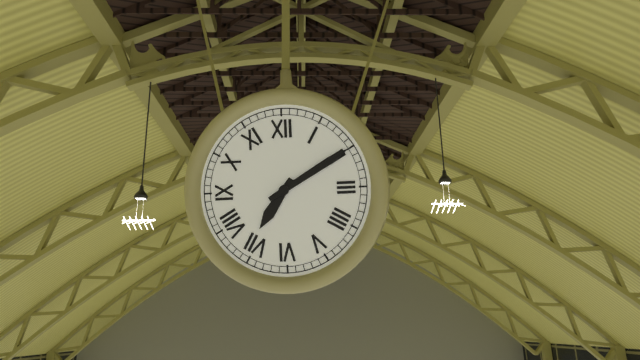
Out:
h=7 m=10
